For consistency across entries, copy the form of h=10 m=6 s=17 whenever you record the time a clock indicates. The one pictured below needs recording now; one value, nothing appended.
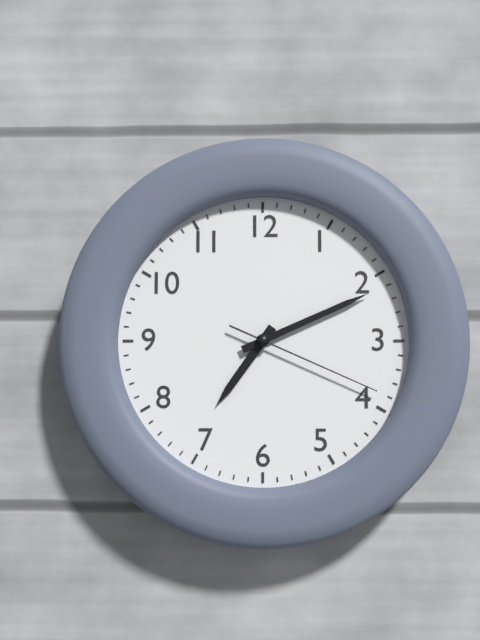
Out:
h=7 m=11 s=19
